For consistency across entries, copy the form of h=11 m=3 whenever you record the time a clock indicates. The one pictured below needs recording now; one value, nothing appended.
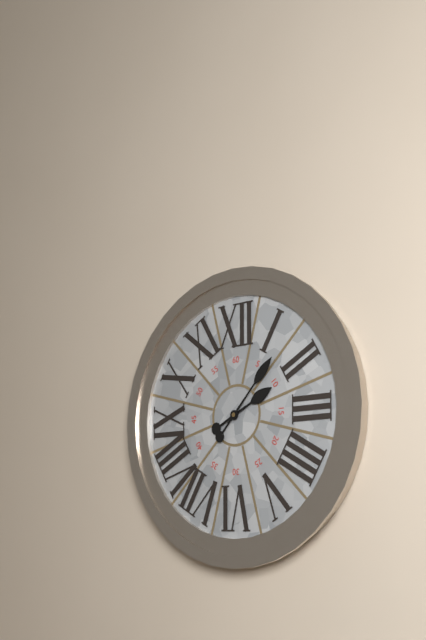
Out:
h=2 m=7
